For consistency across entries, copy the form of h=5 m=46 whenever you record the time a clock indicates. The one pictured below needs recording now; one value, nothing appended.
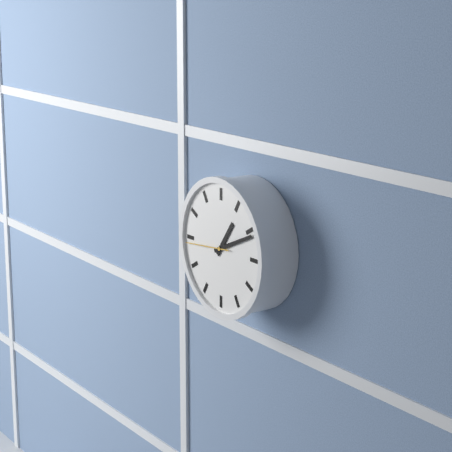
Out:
h=1 m=11
